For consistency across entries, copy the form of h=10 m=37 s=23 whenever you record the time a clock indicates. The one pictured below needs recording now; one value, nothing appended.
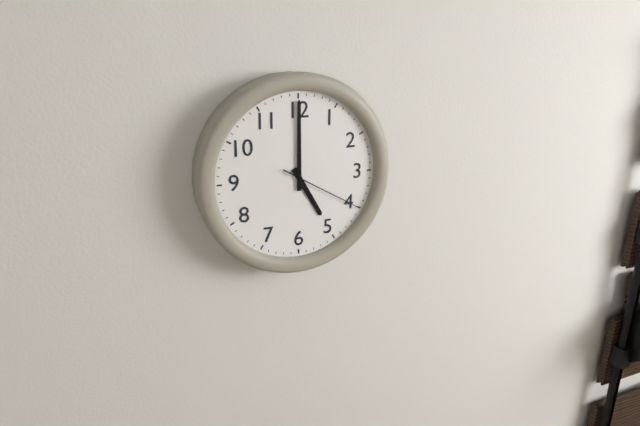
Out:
h=5 m=0 s=20
